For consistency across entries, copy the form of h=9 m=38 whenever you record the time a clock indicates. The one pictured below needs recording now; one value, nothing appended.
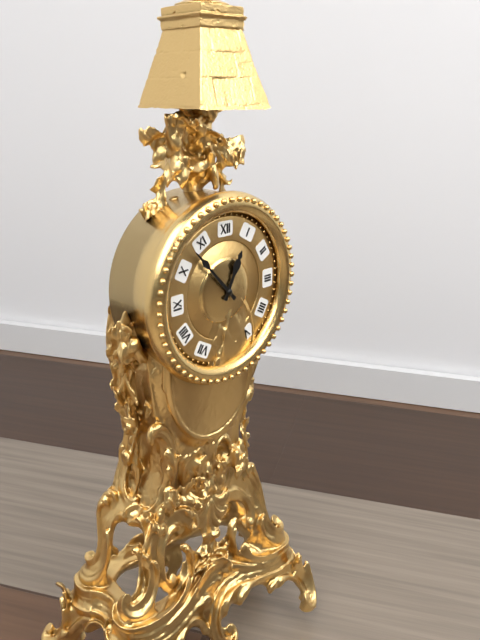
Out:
h=12 m=53
